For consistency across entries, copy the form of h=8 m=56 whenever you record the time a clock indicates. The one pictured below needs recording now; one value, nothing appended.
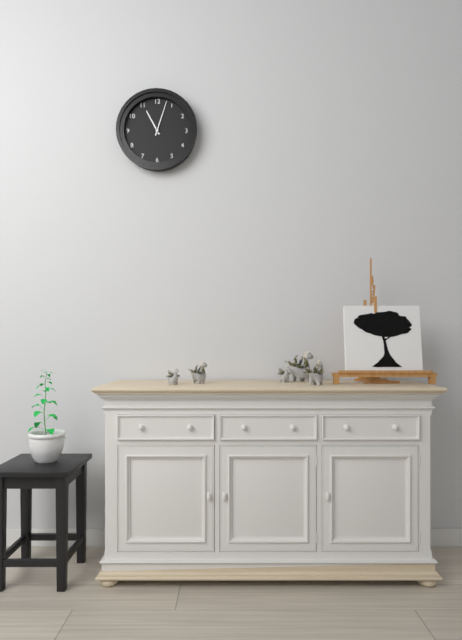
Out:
h=11 m=3
